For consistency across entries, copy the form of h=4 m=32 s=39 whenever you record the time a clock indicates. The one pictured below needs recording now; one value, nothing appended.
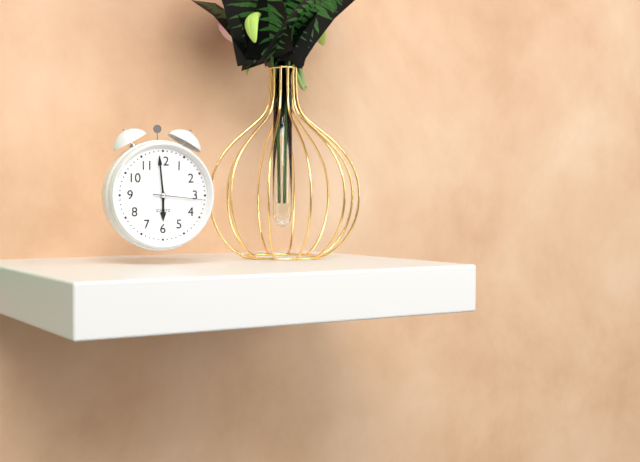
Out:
h=5 m=59 s=16
